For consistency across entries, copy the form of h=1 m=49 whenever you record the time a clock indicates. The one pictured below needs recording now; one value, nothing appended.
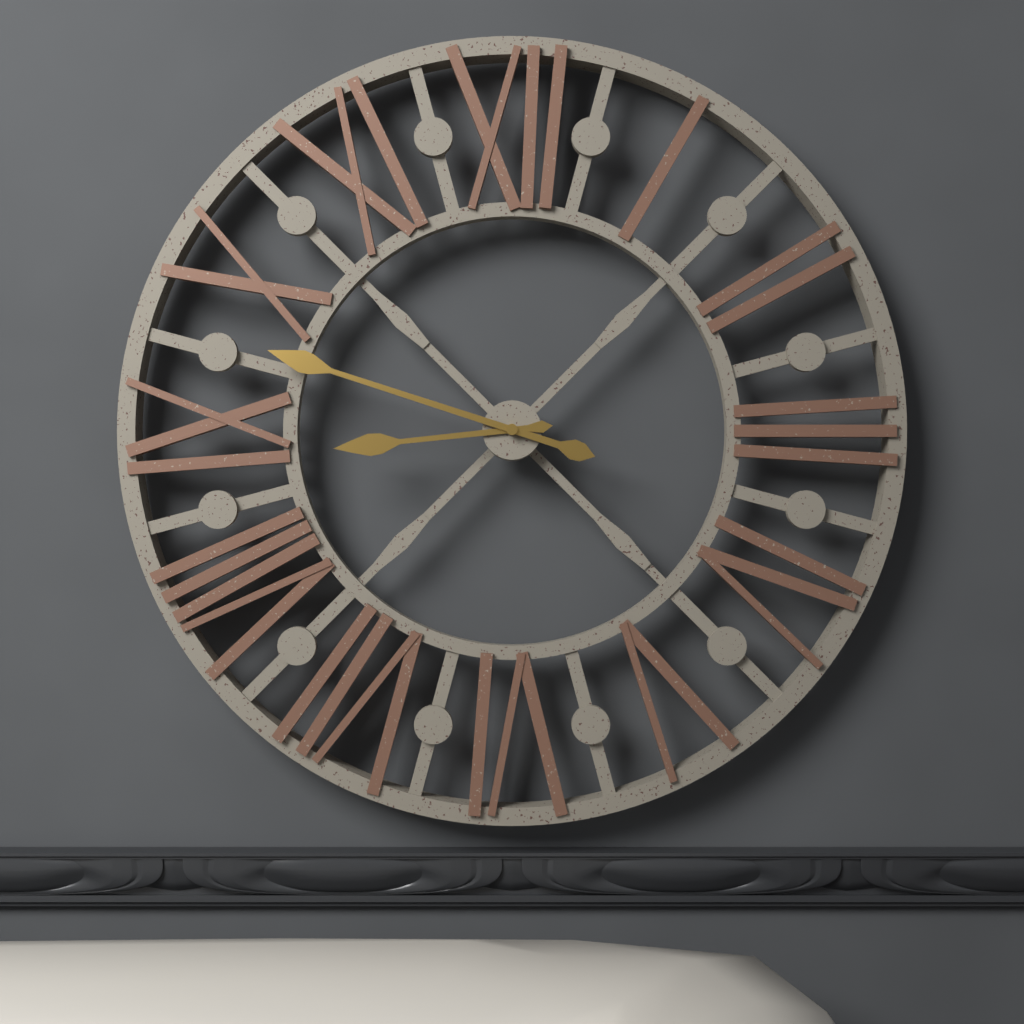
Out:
h=8 m=48
